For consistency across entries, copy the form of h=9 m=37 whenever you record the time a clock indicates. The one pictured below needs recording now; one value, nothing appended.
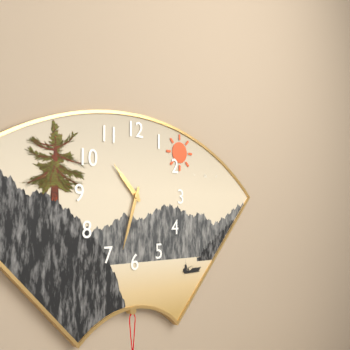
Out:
h=10 m=33
